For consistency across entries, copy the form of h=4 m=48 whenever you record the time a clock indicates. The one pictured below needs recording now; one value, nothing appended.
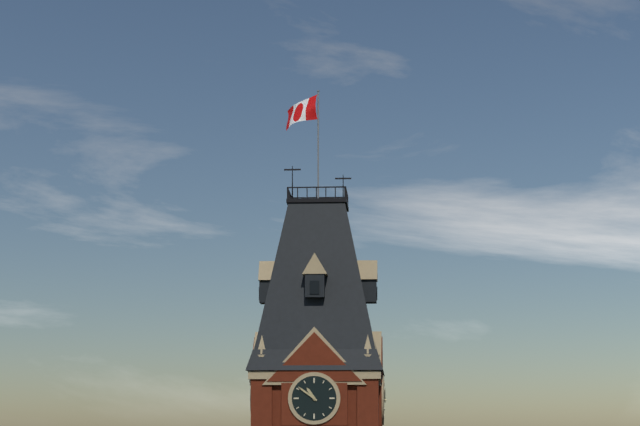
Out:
h=10 m=51
